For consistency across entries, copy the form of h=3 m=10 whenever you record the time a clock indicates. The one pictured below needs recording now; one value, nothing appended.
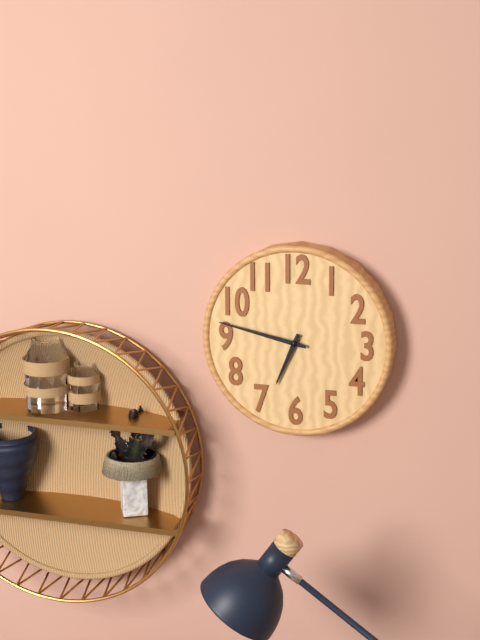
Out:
h=6 m=47
